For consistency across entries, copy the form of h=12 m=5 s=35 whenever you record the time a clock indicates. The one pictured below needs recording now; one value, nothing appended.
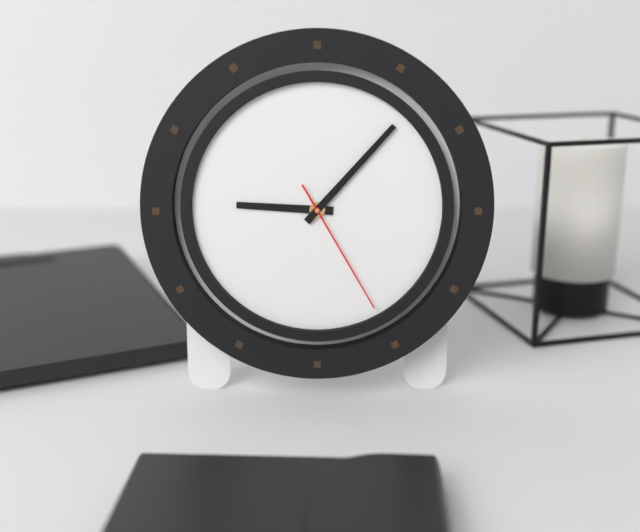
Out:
h=9 m=7 s=25
